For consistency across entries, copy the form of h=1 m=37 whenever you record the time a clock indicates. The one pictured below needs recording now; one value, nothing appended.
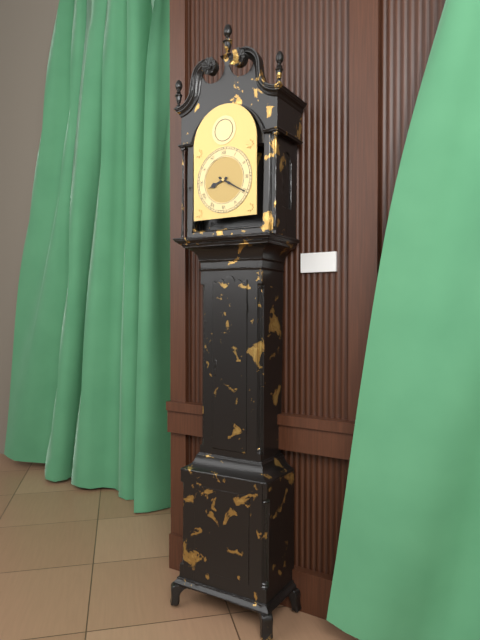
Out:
h=8 m=20
